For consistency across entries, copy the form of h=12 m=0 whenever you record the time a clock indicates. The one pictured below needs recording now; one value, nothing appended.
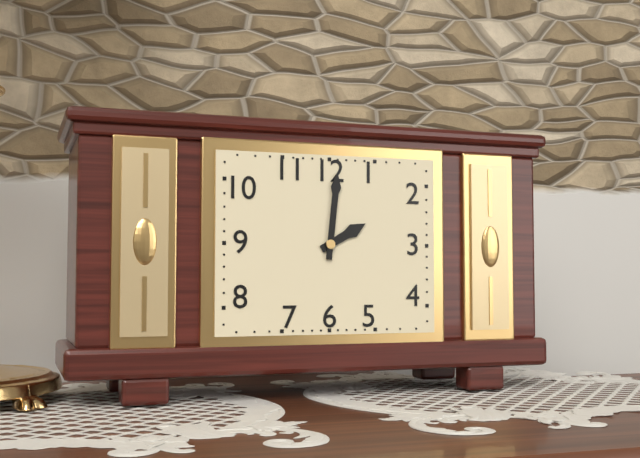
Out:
h=2 m=1
